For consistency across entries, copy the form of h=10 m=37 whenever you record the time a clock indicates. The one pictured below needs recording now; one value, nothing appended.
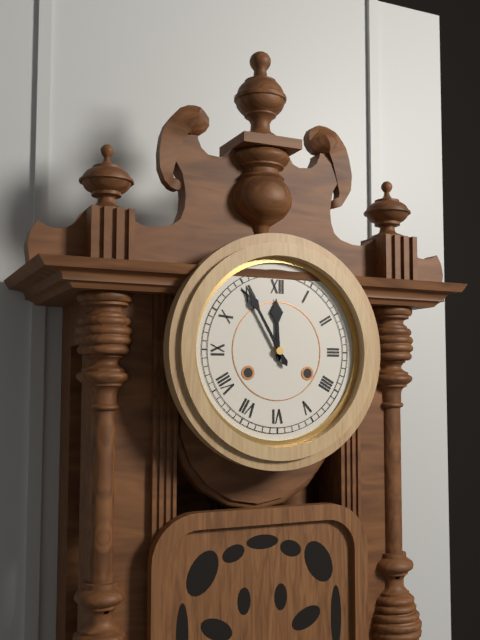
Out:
h=11 m=55
